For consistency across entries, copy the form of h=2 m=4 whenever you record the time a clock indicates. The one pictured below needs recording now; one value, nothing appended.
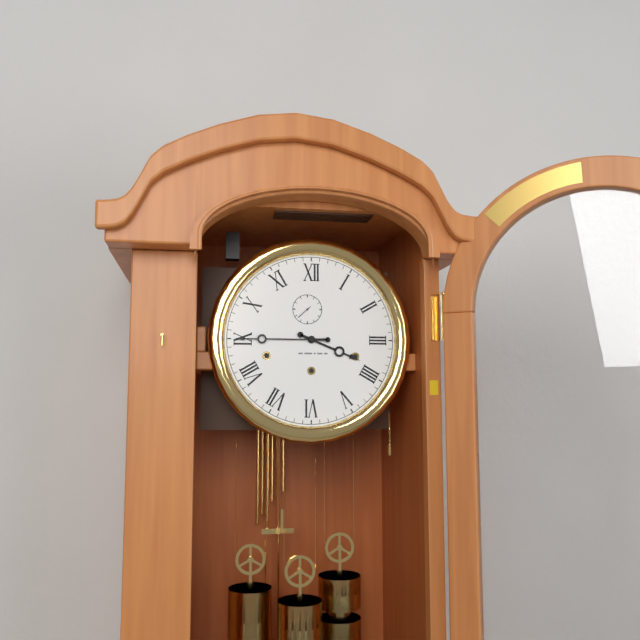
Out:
h=3 m=45
